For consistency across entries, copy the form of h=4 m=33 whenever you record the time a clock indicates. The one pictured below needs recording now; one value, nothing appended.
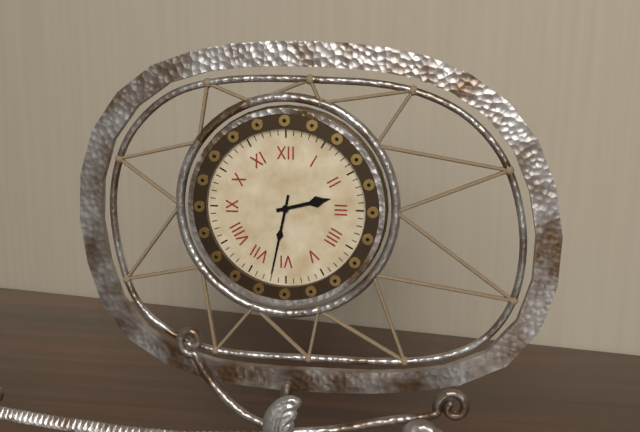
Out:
h=2 m=32
